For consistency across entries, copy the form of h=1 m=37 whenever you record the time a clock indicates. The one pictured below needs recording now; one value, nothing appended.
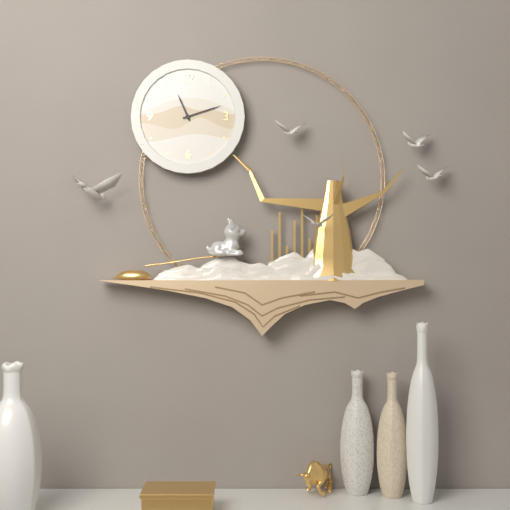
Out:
h=11 m=12
